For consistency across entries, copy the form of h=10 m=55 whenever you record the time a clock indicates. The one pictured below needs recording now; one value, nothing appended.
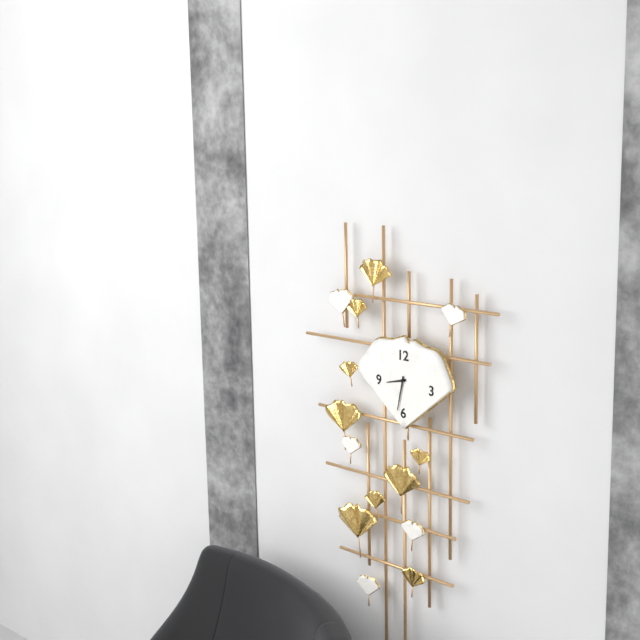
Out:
h=8 m=32
